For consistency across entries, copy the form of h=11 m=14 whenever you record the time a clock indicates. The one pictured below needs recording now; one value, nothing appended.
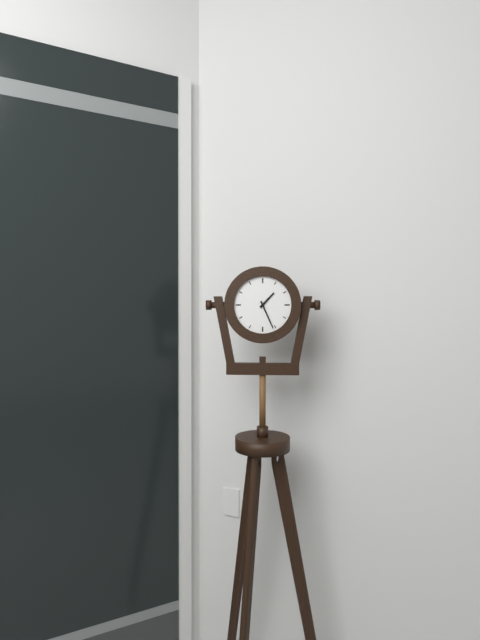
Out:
h=1 m=26
